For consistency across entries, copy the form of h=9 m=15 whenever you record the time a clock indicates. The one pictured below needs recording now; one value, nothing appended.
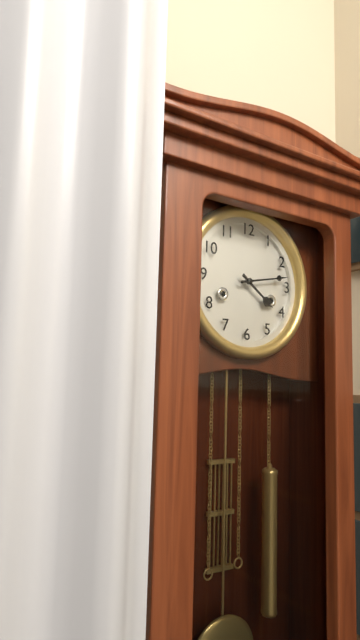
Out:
h=4 m=13
